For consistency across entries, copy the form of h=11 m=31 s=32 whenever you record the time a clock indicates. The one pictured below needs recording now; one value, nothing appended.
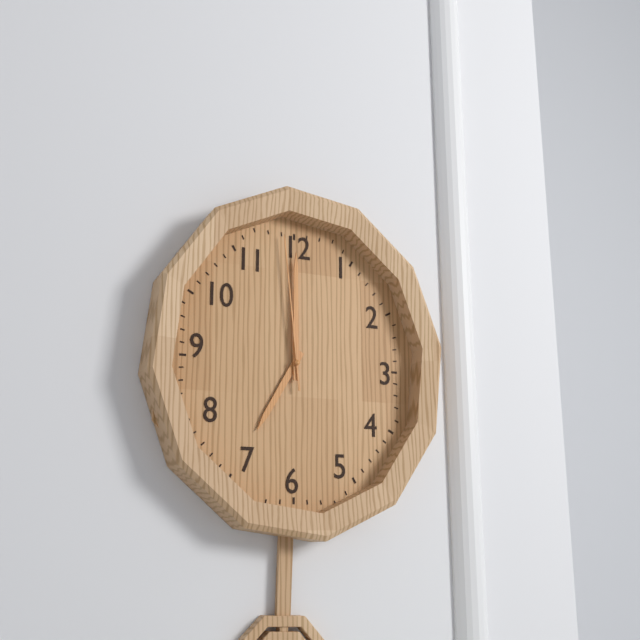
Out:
h=7 m=0 s=59
